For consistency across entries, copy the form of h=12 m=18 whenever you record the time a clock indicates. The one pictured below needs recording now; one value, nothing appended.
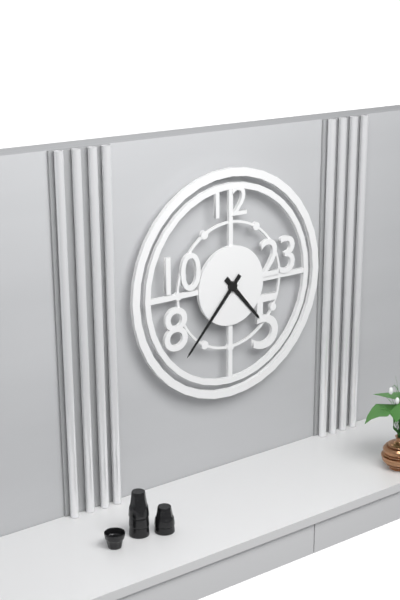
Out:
h=4 m=37
